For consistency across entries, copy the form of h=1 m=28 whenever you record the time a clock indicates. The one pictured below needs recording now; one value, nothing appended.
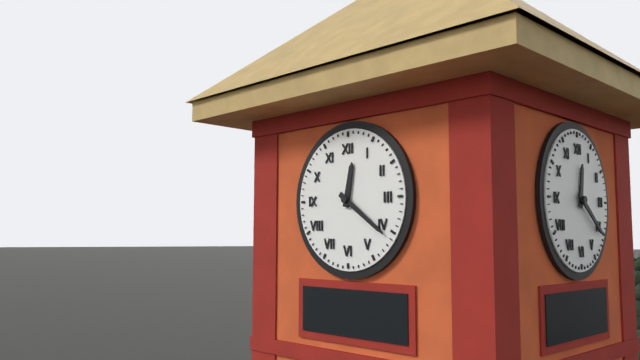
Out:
h=12 m=21
